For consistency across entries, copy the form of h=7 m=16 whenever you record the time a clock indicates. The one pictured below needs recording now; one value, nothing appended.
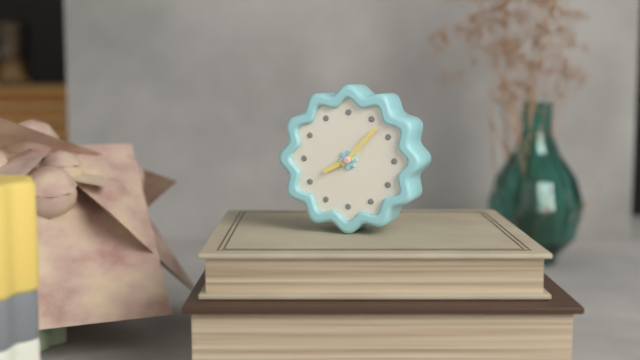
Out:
h=8 m=7
